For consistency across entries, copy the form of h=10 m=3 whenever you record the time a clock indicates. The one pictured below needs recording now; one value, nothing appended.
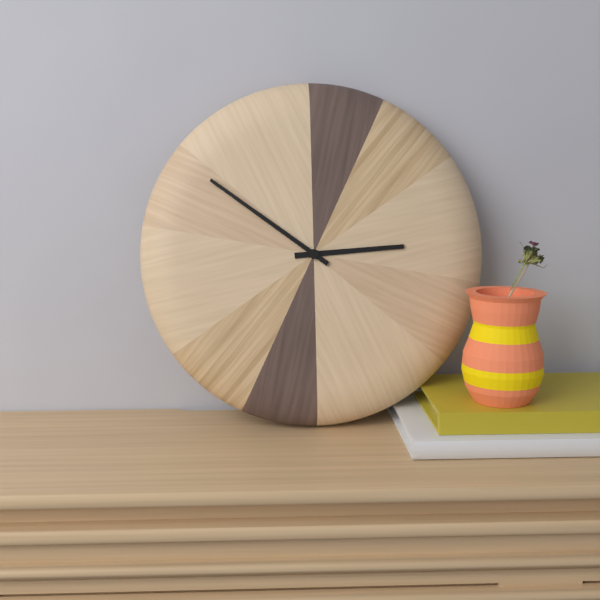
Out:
h=2 m=51
